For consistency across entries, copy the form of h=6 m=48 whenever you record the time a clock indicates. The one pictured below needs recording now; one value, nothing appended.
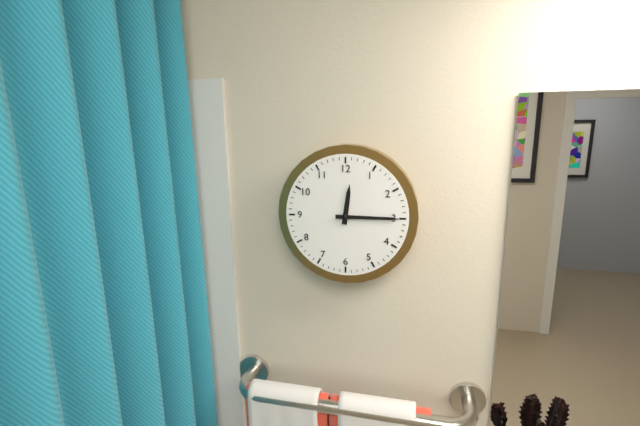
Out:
h=12 m=15
